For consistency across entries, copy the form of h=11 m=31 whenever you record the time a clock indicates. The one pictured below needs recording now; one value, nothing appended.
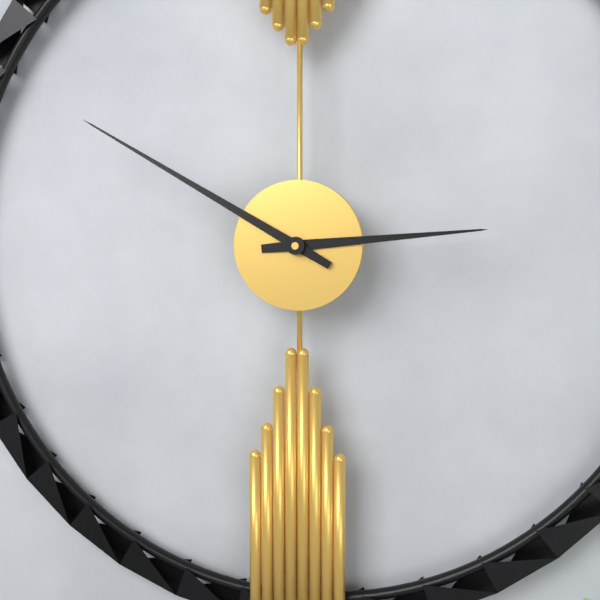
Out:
h=2 m=50
